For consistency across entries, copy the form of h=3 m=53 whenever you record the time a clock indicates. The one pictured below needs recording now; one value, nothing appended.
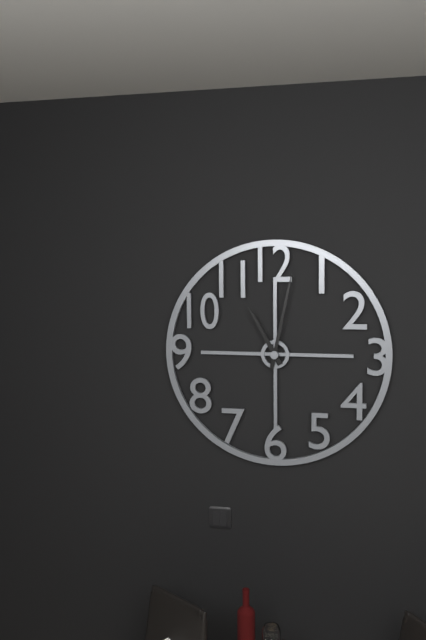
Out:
h=11 m=2
